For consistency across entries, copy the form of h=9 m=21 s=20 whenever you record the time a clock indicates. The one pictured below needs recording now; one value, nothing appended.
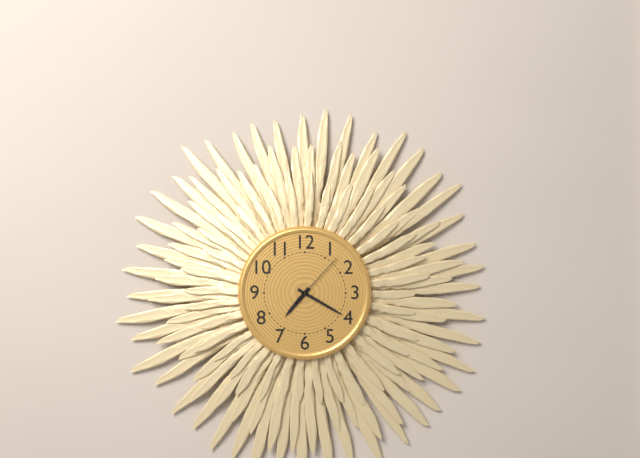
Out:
h=7 m=20 s=7
